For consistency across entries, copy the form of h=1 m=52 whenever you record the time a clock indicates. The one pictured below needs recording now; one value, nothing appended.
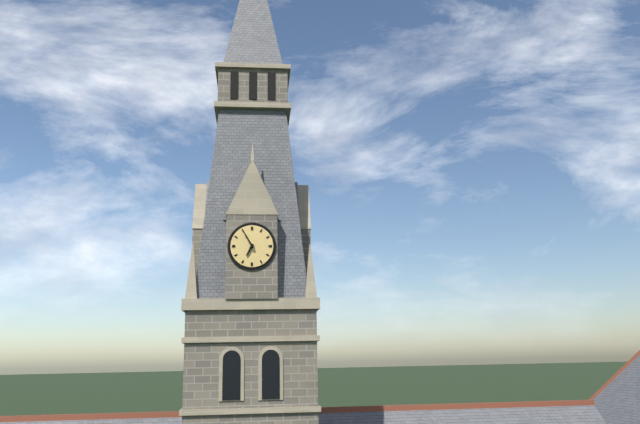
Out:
h=6 m=55
